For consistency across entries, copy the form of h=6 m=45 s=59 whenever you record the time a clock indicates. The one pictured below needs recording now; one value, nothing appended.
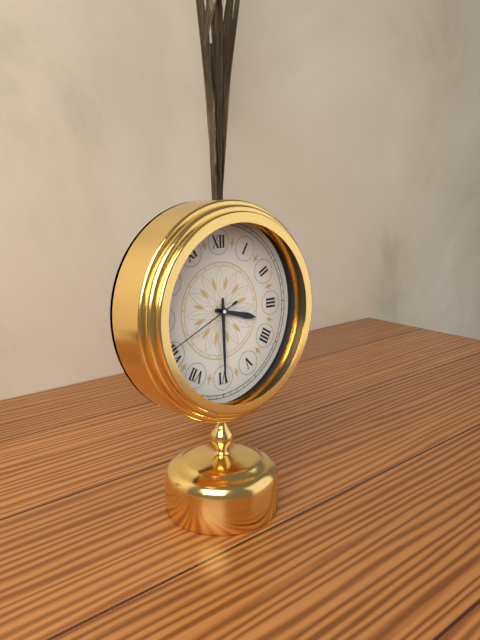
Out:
h=3 m=30 s=41
